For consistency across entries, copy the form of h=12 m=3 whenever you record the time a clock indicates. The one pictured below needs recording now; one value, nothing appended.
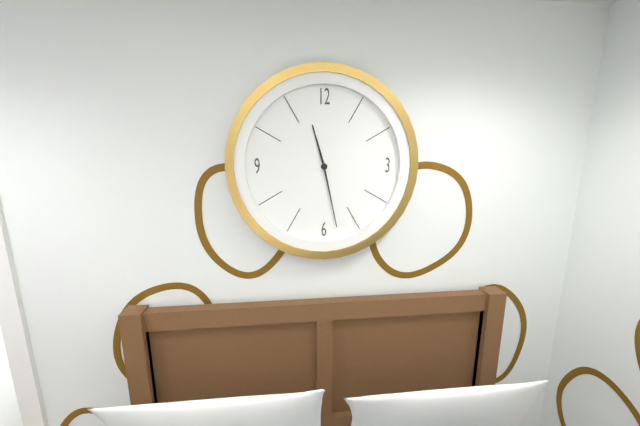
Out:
h=11 m=28
